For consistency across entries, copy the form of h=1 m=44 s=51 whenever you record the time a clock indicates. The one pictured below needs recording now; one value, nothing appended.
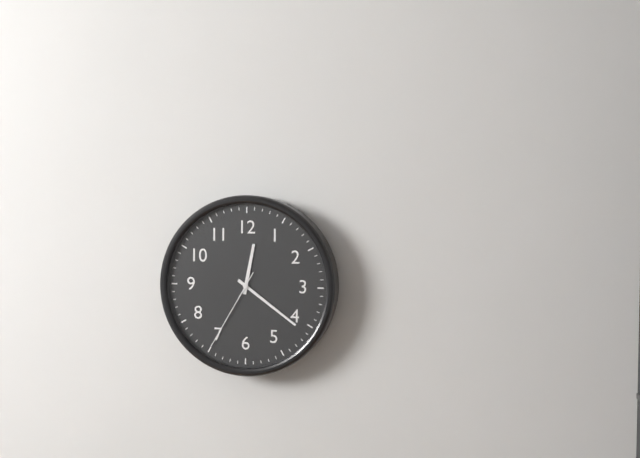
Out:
h=12 m=21 s=35
